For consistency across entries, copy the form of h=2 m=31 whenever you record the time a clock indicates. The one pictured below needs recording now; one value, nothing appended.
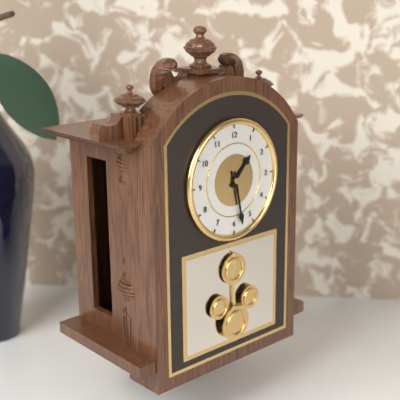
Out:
h=1 m=28
